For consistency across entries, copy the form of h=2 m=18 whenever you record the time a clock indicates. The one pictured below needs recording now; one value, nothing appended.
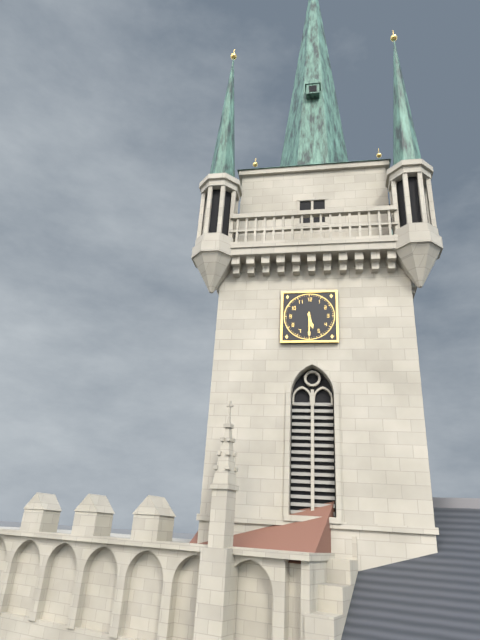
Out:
h=5 m=30
